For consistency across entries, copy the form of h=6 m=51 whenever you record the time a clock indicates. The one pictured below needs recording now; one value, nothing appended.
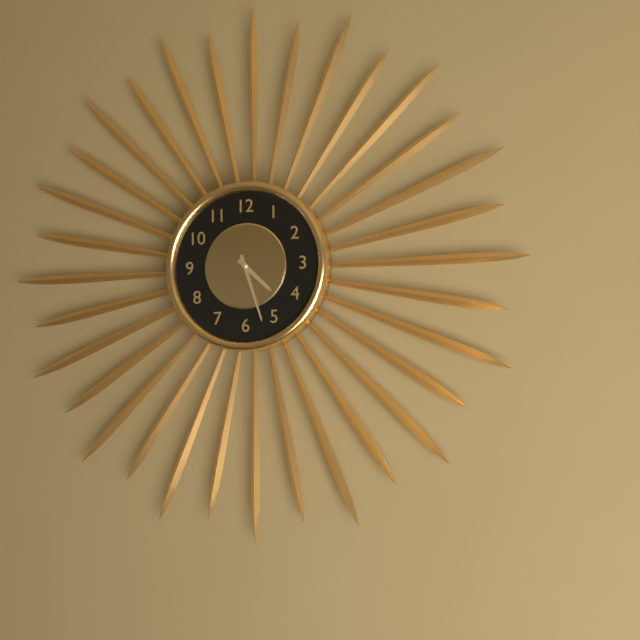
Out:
h=4 m=27
